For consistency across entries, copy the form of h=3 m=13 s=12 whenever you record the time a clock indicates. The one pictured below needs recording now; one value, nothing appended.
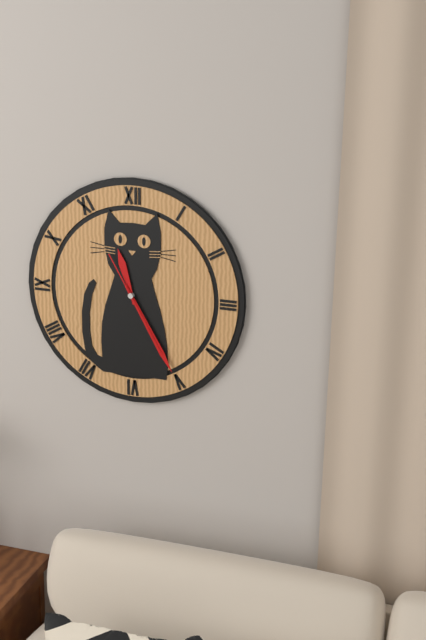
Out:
h=11 m=25 s=25
